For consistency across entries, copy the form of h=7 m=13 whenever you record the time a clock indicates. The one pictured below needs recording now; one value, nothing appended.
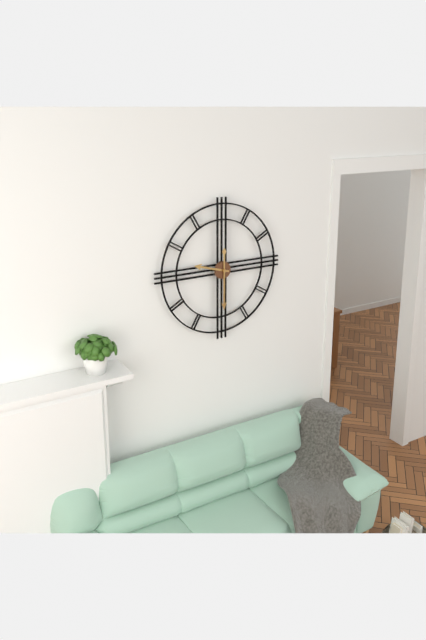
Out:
h=9 m=30
